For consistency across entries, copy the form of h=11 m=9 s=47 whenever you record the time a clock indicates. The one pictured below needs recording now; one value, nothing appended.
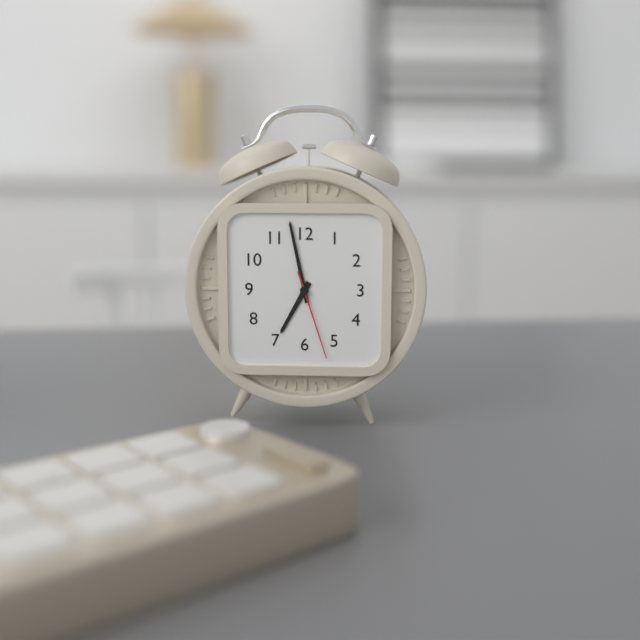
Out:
h=6 m=58 s=27
